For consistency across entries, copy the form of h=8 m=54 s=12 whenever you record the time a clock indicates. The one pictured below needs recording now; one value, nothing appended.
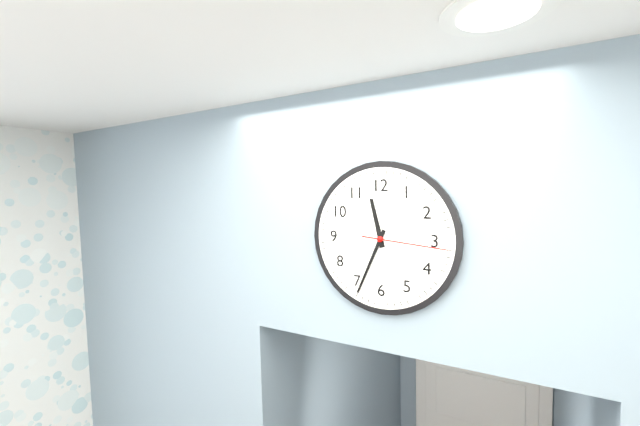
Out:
h=11 m=34 s=16
